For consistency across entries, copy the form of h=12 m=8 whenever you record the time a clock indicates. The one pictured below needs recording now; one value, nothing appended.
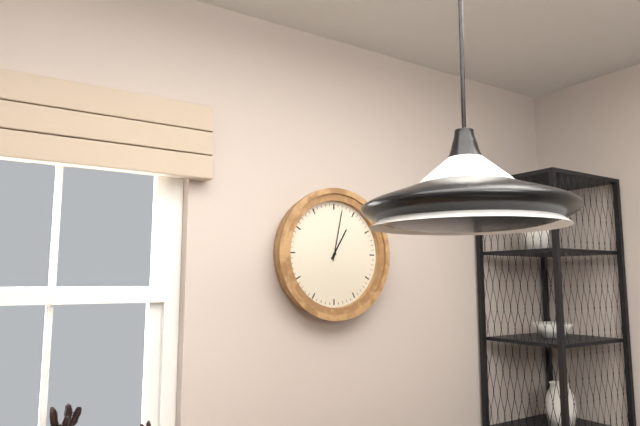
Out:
h=1 m=2
